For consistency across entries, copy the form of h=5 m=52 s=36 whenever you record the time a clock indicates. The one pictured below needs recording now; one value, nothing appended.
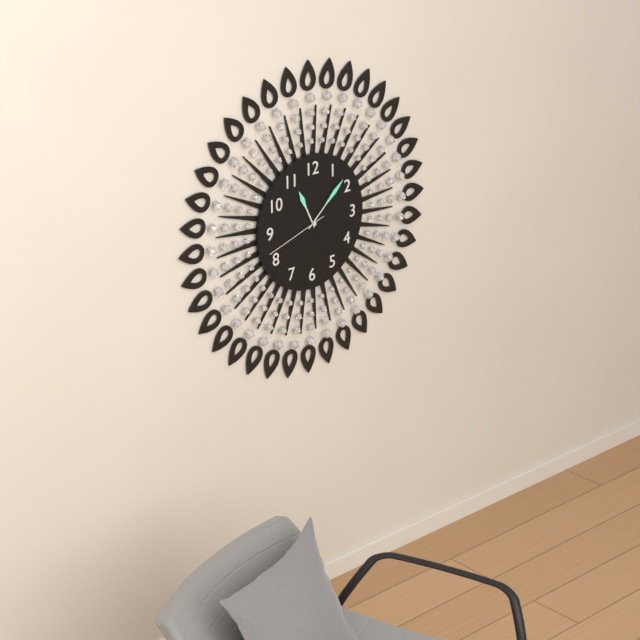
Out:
h=11 m=8 s=42
